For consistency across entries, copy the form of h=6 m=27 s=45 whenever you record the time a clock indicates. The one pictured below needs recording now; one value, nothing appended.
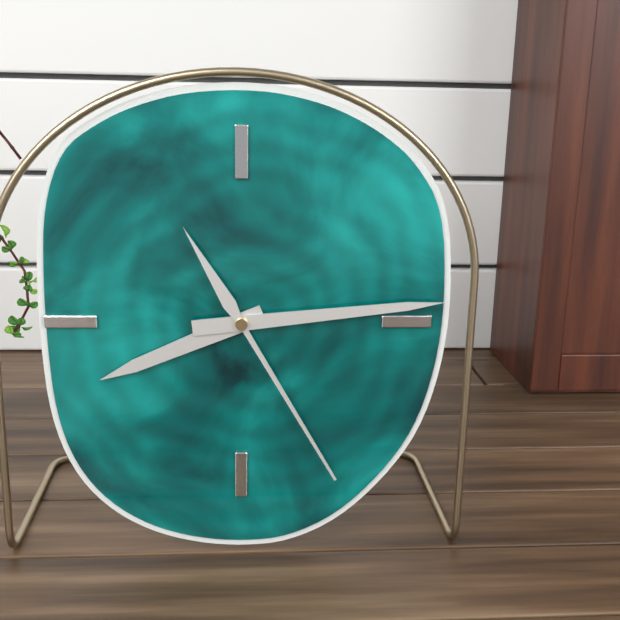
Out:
h=8 m=14 s=25
